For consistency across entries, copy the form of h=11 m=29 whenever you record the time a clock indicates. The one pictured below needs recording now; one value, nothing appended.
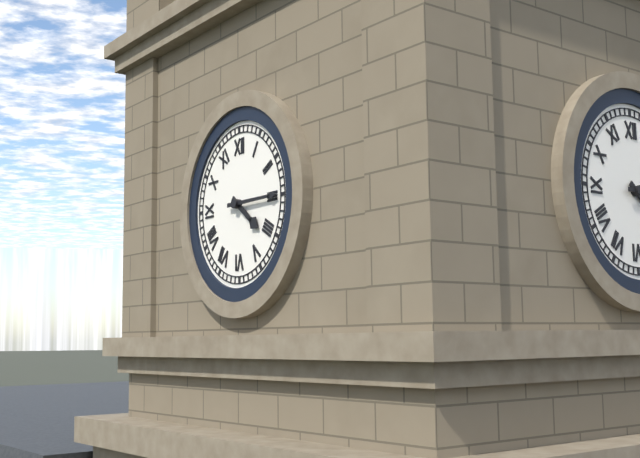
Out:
h=4 m=15
